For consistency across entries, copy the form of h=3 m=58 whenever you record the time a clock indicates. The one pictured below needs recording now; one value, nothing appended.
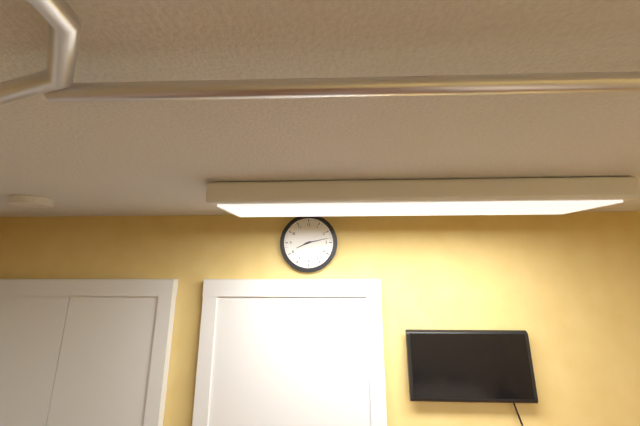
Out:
h=8 m=13
